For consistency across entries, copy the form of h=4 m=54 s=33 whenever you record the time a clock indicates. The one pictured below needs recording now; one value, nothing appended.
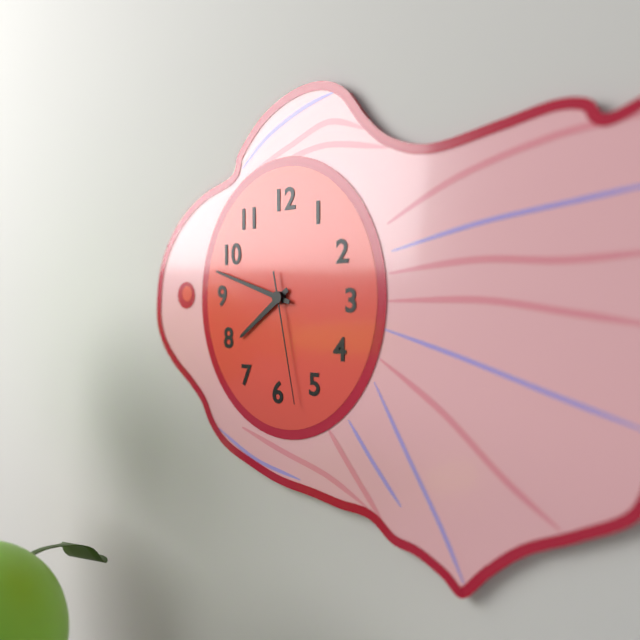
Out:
h=7 m=48 s=28
